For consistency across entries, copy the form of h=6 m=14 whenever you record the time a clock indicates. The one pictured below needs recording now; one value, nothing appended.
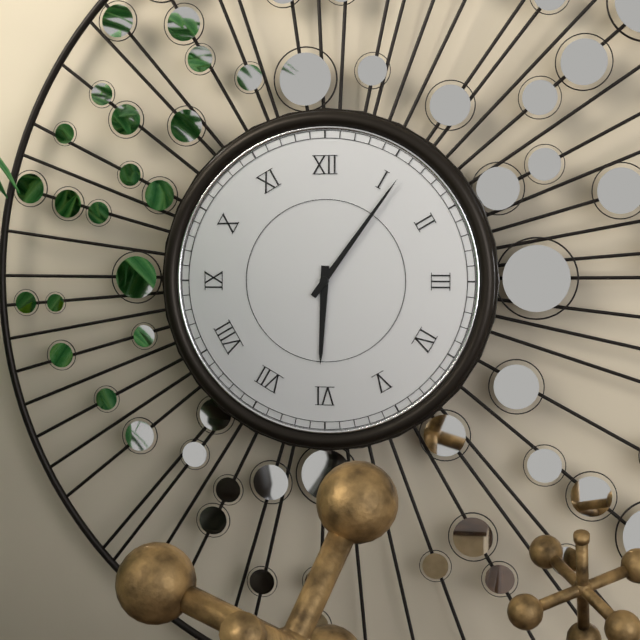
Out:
h=6 m=6
